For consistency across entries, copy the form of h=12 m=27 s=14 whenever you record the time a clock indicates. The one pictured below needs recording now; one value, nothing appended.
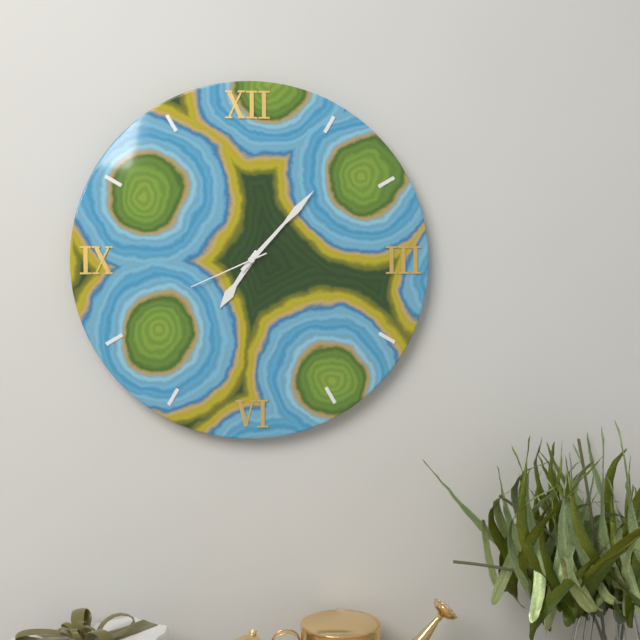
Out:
h=7 m=7 s=41
